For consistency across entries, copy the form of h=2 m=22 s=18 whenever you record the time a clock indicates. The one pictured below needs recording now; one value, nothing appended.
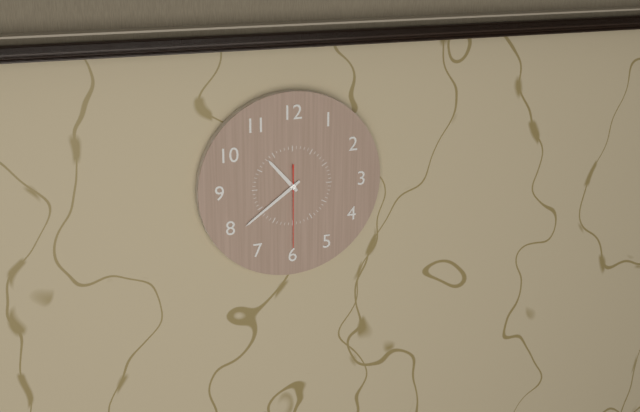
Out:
h=10 m=39 s=30
